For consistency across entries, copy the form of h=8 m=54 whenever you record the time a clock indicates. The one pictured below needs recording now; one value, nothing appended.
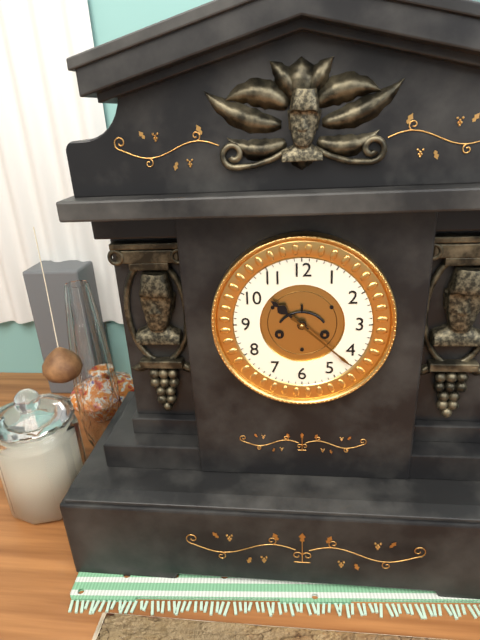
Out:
h=10 m=22
